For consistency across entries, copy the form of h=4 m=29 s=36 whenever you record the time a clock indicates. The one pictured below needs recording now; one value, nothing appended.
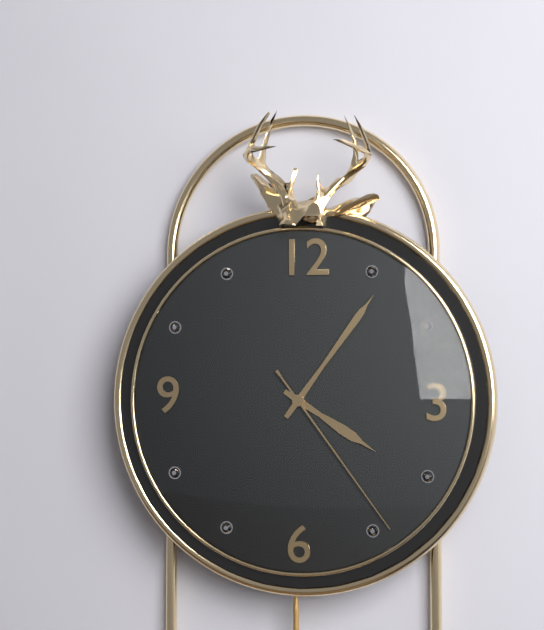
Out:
h=4 m=6 s=24
